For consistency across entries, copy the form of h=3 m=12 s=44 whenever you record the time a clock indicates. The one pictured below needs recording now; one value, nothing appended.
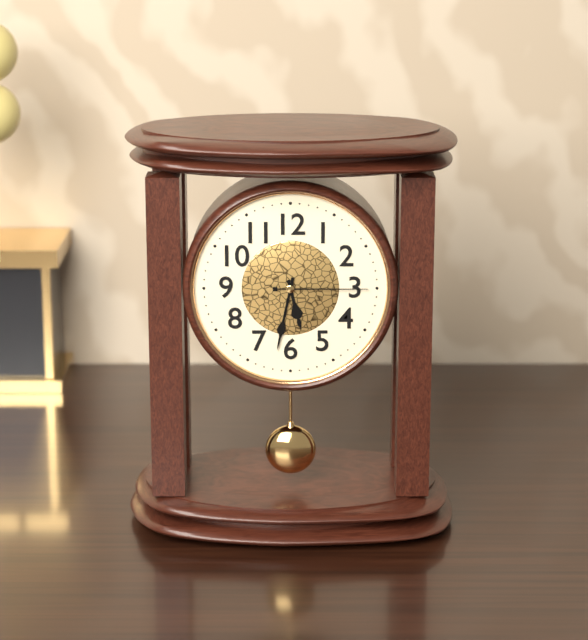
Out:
h=5 m=32 s=15
